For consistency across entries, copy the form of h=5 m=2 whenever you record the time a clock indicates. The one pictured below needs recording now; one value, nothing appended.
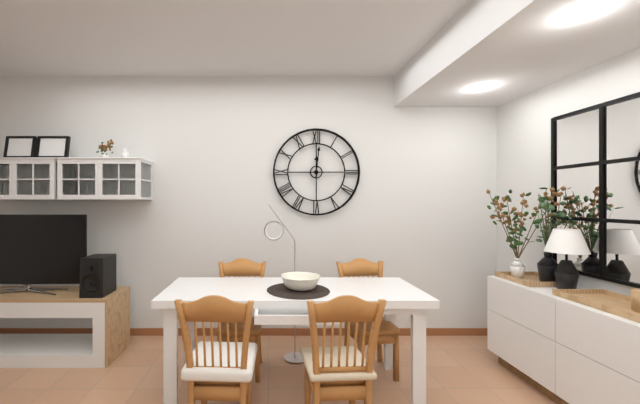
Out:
h=12 m=1
